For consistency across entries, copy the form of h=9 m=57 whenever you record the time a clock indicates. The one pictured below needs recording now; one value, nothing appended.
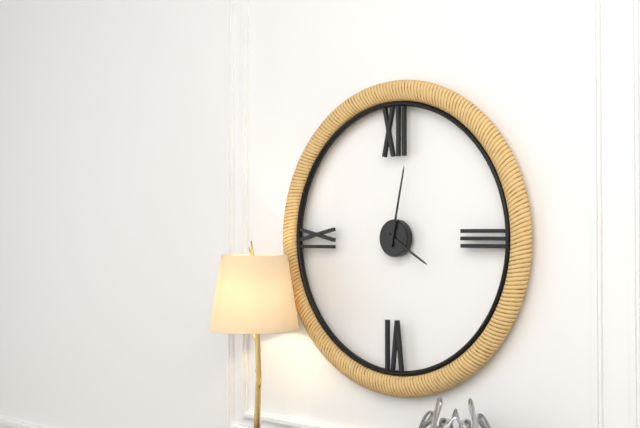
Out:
h=4 m=2
